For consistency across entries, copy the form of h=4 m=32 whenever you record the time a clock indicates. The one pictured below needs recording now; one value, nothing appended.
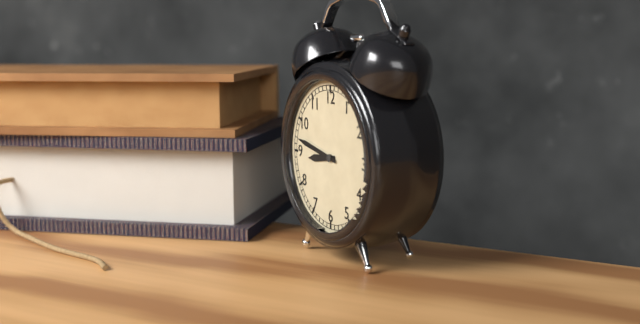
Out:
h=8 m=47
